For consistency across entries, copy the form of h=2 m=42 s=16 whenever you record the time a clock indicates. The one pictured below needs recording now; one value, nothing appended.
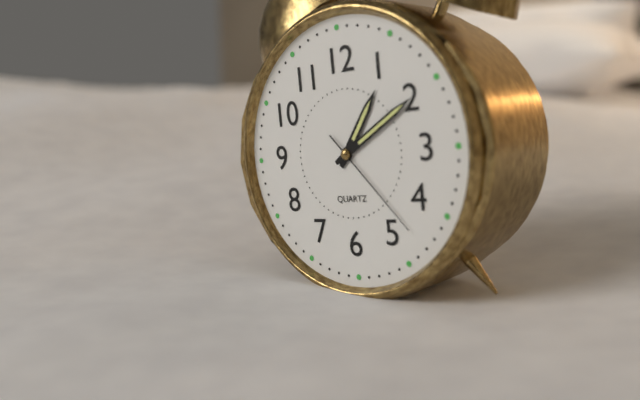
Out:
h=1 m=10 s=23
